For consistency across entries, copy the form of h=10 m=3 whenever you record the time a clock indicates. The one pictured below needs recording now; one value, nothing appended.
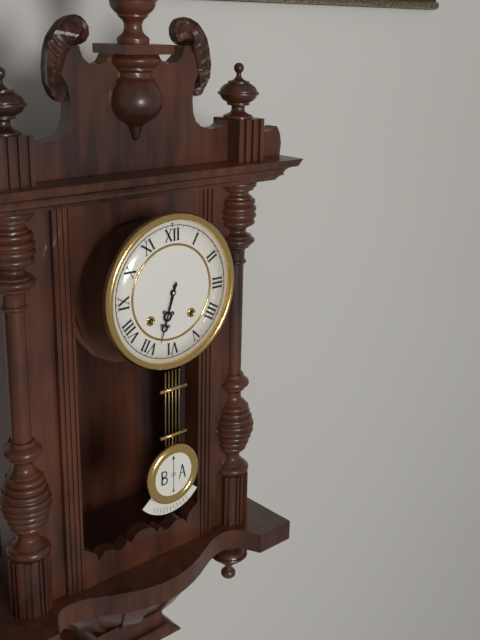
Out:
h=6 m=33
